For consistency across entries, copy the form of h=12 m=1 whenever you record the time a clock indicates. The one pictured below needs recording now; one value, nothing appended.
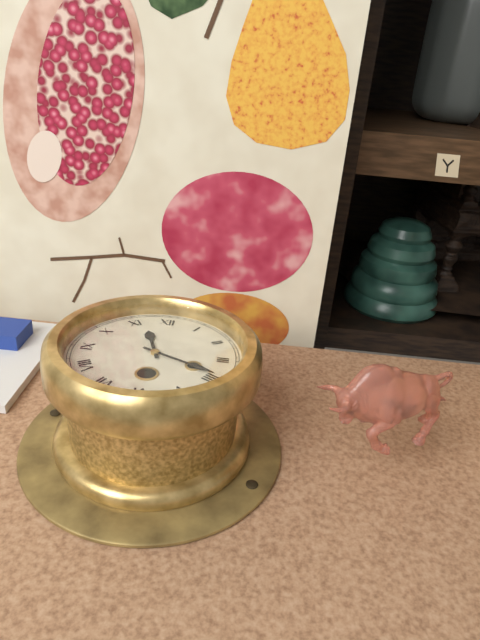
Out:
h=11 m=19
